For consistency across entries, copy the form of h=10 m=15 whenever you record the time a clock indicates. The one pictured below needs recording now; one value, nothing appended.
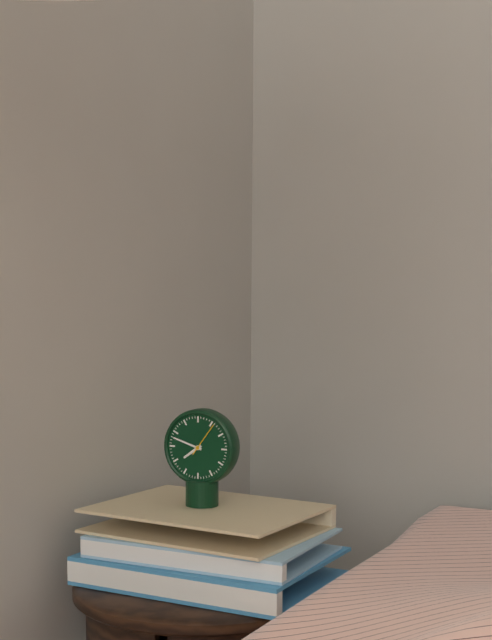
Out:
h=7 m=48
